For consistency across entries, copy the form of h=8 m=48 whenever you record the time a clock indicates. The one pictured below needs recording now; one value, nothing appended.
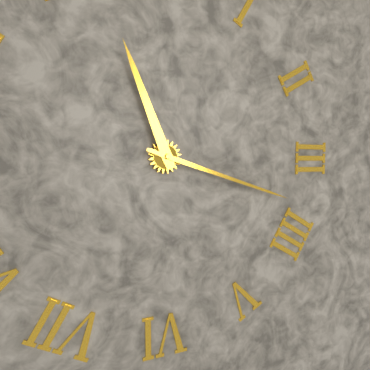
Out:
h=11 m=18
